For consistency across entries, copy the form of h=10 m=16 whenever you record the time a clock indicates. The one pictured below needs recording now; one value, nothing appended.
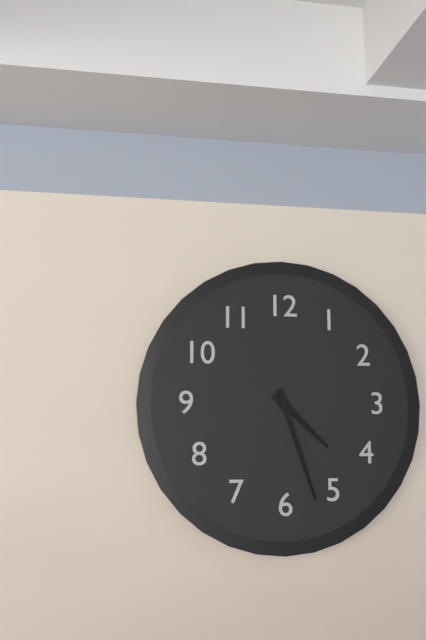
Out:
h=4 m=27
